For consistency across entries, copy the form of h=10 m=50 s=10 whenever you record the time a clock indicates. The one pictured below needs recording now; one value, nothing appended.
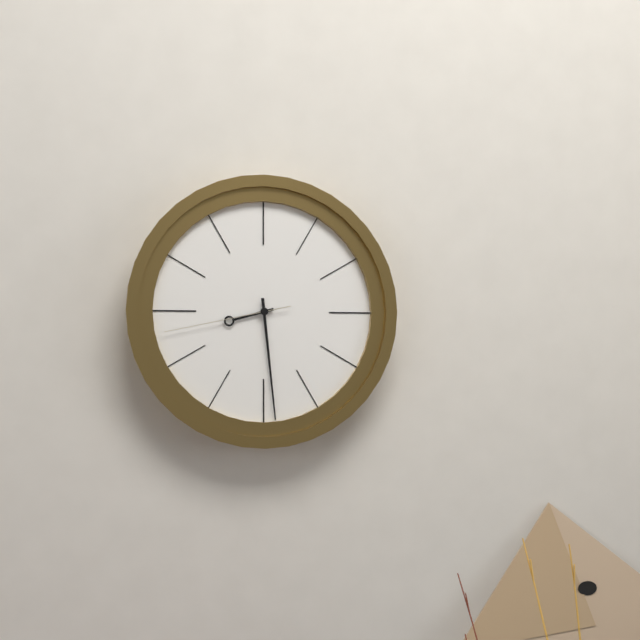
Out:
h=8 m=29 s=43
